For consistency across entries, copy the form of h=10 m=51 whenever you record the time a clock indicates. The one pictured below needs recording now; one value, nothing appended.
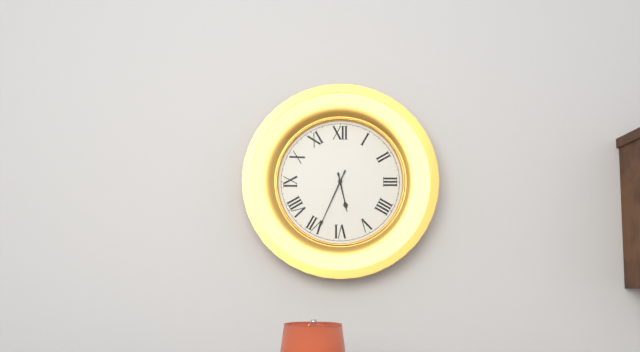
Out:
h=5 m=34
